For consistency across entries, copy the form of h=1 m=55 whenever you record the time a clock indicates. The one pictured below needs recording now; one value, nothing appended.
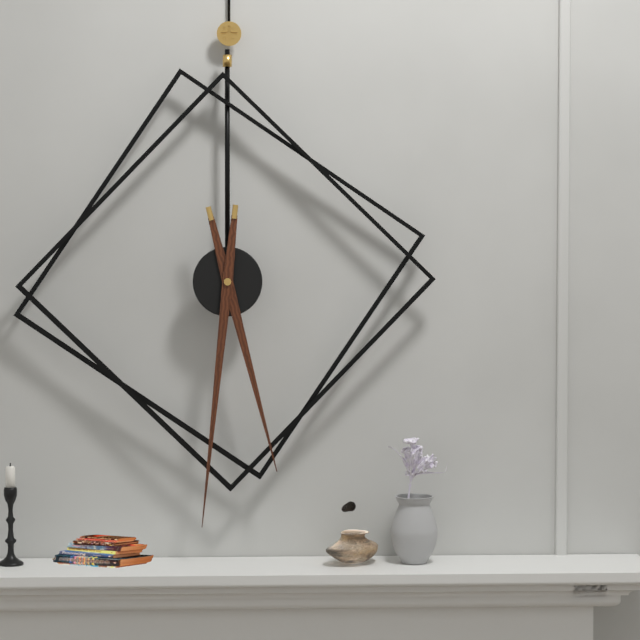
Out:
h=5 m=31
